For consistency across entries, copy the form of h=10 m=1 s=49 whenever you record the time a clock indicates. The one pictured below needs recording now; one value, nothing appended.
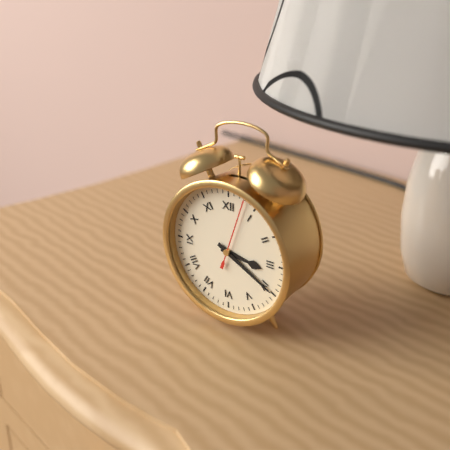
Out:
h=3 m=20 s=3
